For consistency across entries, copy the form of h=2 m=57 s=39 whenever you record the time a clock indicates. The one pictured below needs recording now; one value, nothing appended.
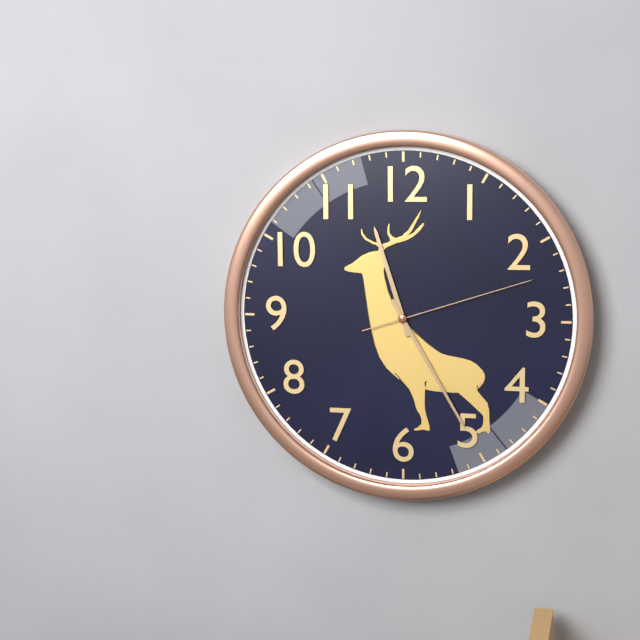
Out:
h=11 m=25 s=12
